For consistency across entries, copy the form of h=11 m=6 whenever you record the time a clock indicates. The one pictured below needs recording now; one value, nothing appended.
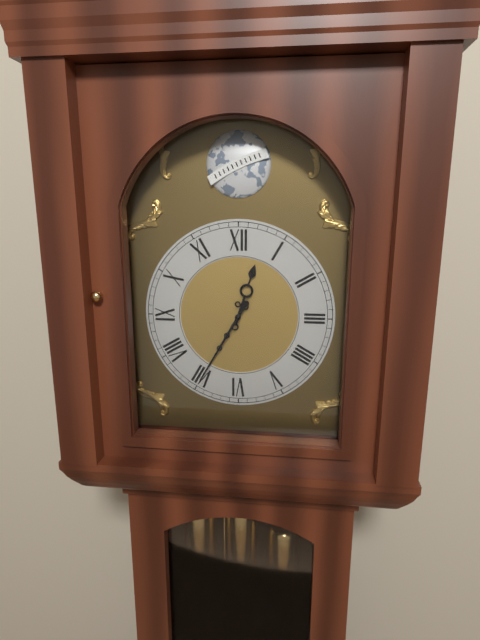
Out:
h=12 m=35
